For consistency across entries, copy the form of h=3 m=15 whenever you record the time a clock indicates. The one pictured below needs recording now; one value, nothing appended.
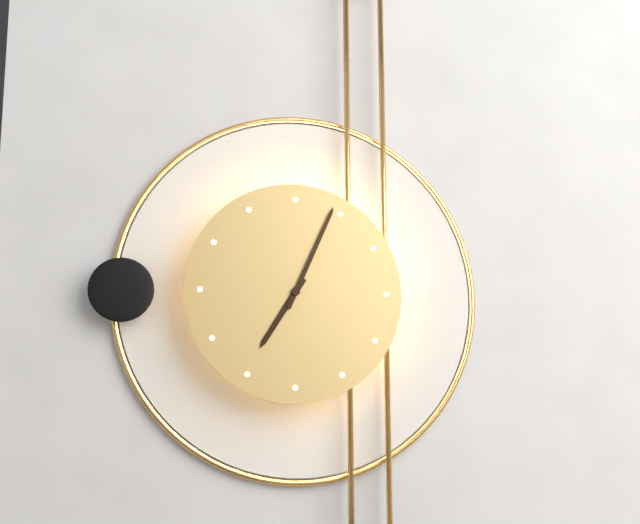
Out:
h=7 m=4
